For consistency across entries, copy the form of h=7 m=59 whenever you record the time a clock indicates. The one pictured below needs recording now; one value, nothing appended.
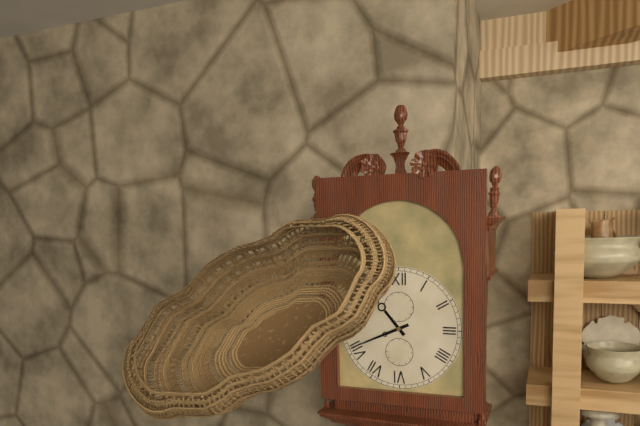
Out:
h=10 m=41
